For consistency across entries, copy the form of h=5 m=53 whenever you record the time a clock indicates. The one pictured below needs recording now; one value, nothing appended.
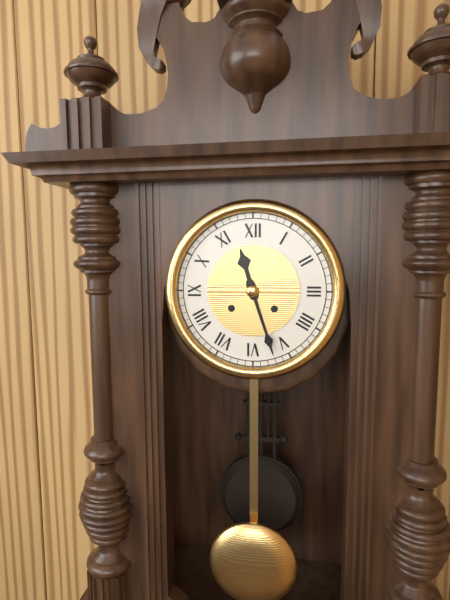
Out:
h=11 m=27
